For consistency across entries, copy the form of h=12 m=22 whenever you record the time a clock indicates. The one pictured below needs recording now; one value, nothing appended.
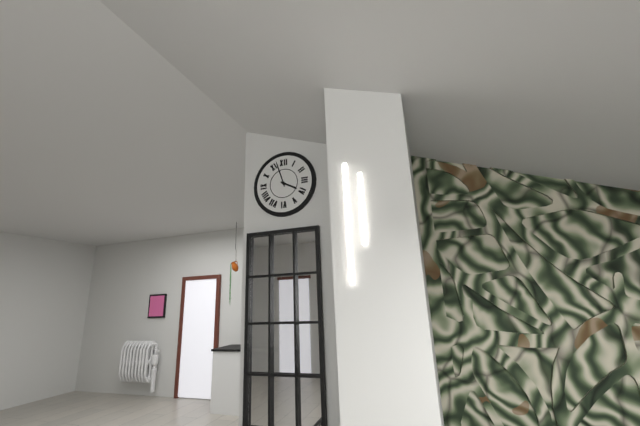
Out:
h=3 m=57
